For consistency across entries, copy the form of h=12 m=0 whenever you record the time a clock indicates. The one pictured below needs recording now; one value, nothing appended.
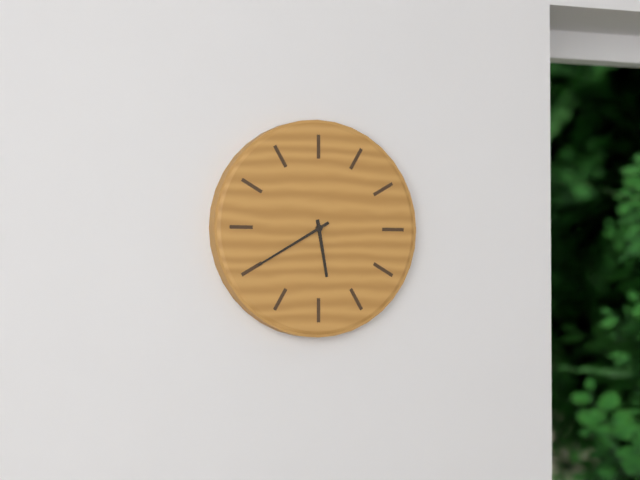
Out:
h=5 m=40
